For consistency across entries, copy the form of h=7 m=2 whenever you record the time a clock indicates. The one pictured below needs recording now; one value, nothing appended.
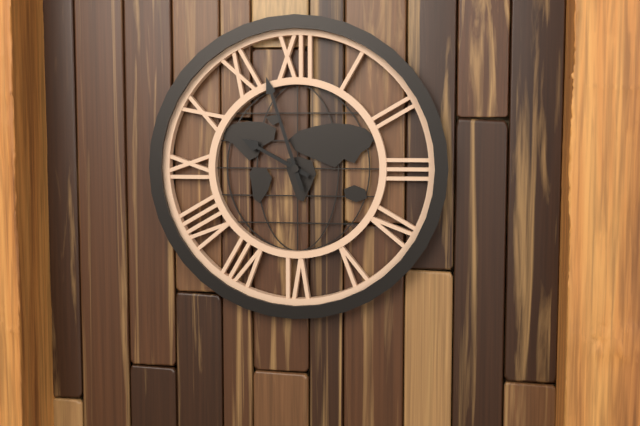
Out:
h=9 m=57
